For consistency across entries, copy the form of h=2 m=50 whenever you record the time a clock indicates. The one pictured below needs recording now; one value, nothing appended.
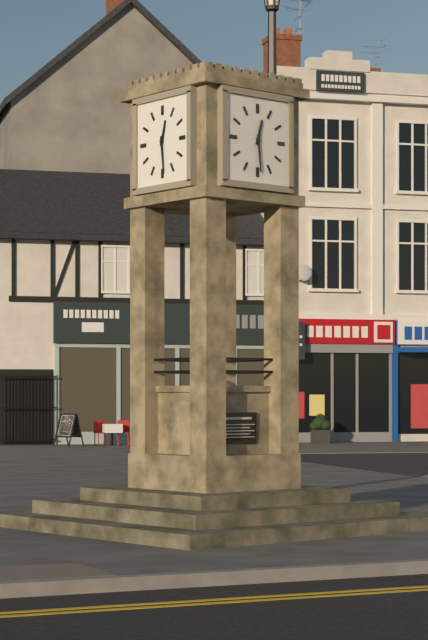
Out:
h=12 m=29
